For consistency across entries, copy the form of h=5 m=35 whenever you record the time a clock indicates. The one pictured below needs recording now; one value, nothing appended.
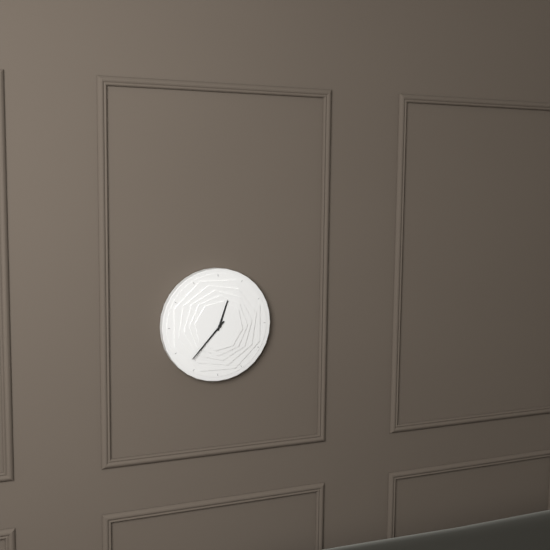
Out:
h=12 m=37
